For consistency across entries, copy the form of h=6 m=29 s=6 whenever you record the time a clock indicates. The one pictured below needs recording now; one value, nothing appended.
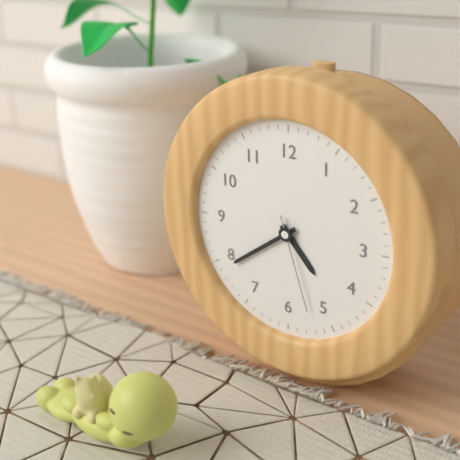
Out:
h=4 m=39 s=27
